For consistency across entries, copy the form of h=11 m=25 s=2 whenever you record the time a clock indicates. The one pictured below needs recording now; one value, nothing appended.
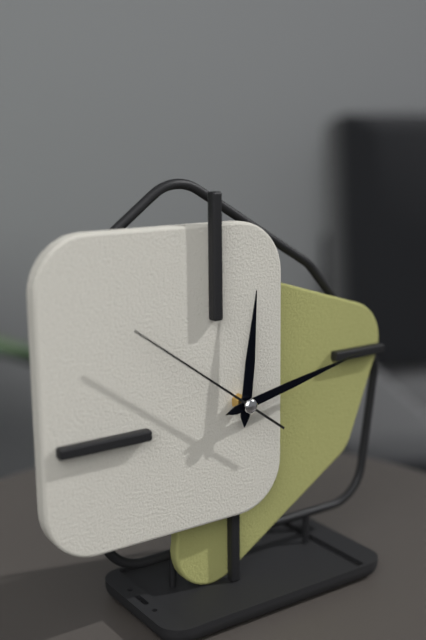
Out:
h=12 m=13 s=51
